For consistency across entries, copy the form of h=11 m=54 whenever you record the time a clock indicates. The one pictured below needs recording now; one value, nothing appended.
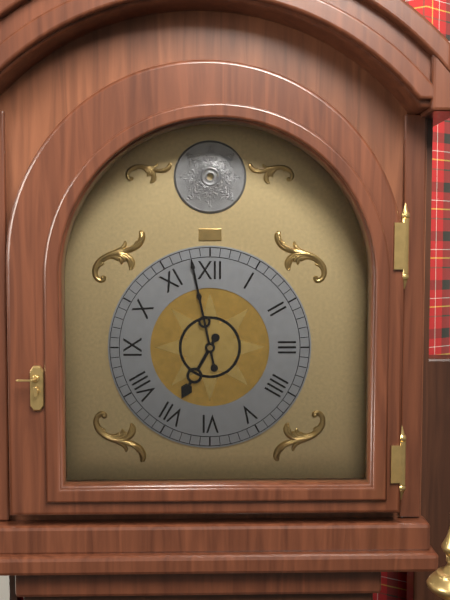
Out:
h=6 m=58
